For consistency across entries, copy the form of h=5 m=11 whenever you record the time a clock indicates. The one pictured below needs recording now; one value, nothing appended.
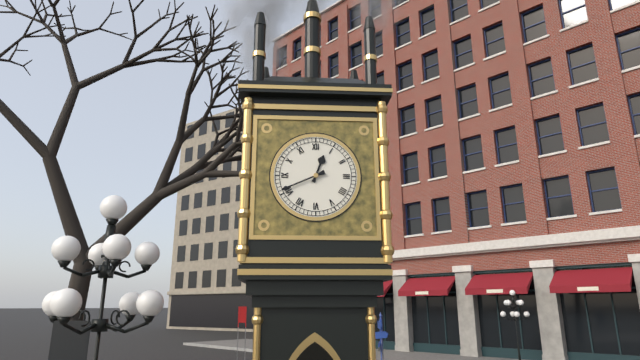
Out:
h=12 m=41
